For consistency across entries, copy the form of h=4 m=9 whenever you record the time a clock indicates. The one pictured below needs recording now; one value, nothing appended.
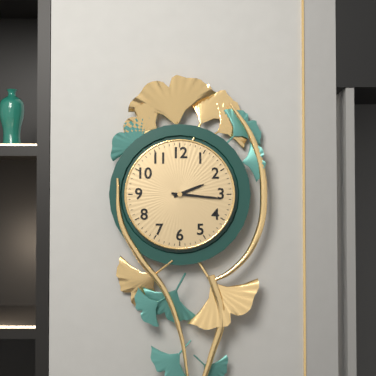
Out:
h=2 m=16
